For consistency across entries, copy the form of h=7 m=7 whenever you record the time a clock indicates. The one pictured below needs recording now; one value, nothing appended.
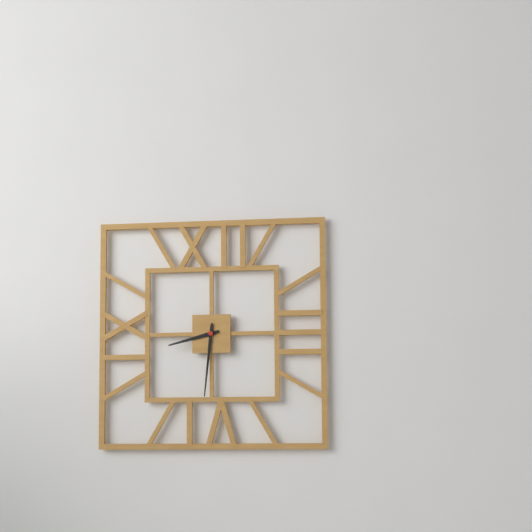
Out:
h=8 m=31
